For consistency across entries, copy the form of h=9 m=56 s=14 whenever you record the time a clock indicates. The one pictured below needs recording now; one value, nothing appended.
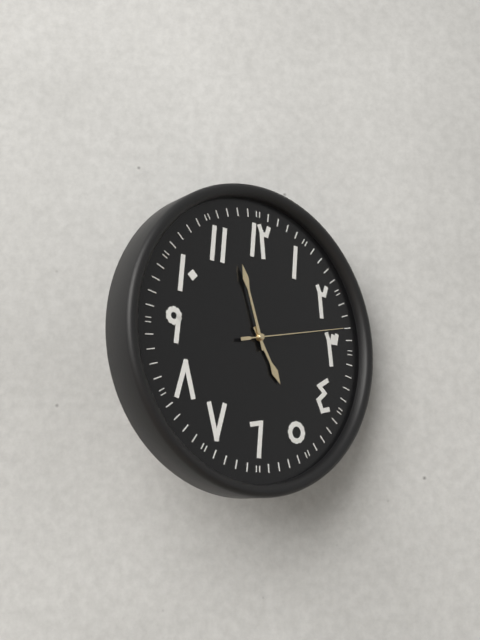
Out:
h=4 m=57 s=13
